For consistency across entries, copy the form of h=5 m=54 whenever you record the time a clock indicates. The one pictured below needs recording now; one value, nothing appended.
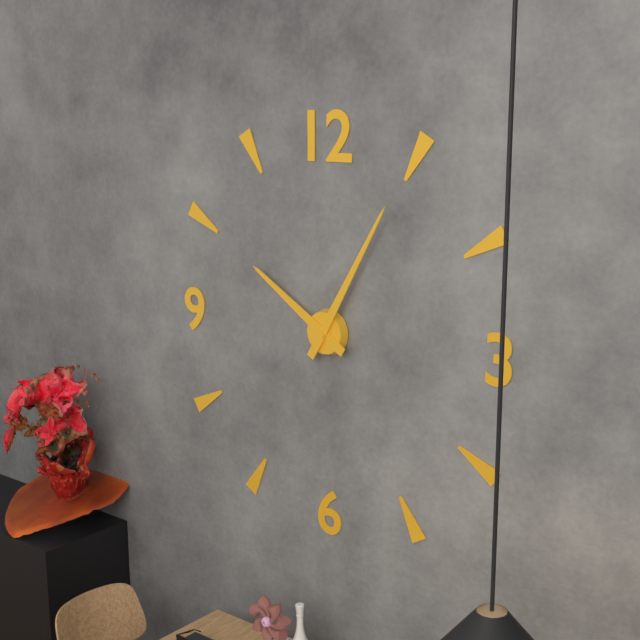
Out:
h=10 m=5
